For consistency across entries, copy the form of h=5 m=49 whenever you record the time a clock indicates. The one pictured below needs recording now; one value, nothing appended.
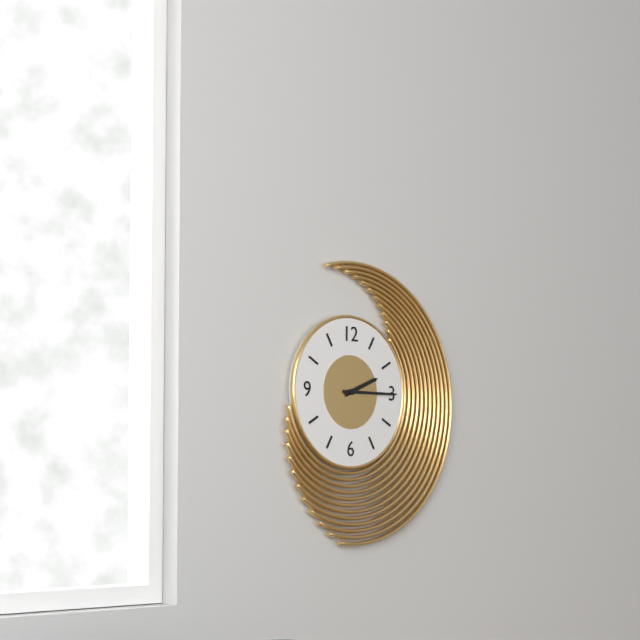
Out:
h=2 m=15
